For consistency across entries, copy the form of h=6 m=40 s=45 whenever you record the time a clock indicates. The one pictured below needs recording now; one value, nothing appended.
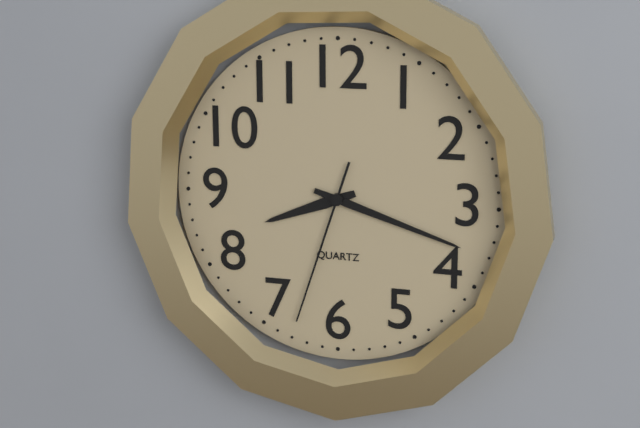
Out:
h=8 m=18 s=33
